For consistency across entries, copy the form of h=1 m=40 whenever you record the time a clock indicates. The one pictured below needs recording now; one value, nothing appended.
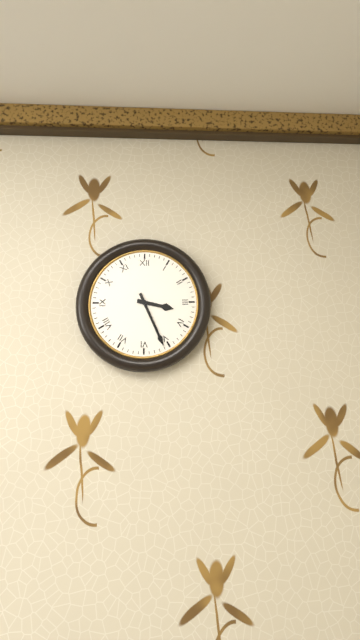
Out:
h=3 m=26
